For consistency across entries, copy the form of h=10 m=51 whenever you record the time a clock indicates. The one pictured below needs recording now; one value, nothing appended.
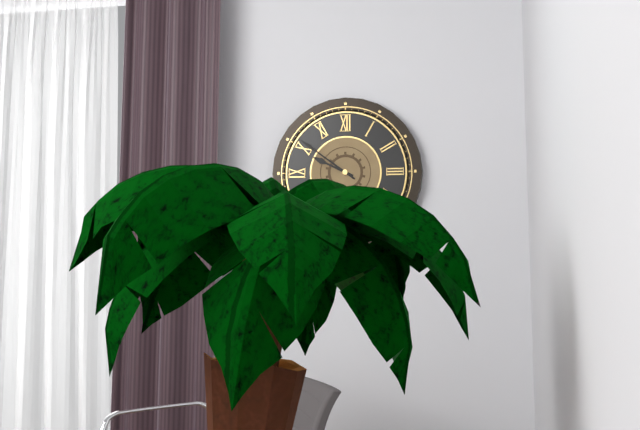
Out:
h=9 m=51
